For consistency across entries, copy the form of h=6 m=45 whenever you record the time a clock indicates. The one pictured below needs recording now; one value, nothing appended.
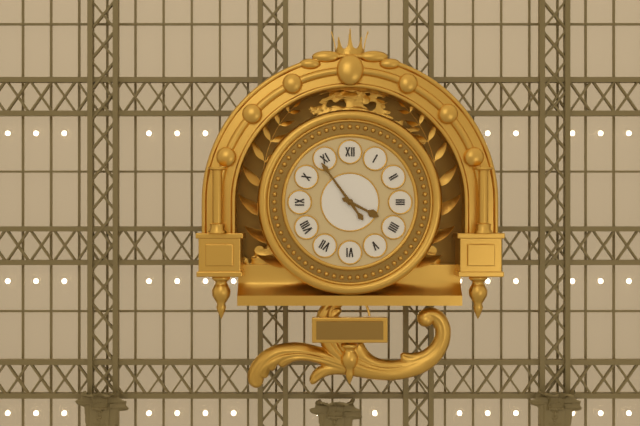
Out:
h=3 m=54
